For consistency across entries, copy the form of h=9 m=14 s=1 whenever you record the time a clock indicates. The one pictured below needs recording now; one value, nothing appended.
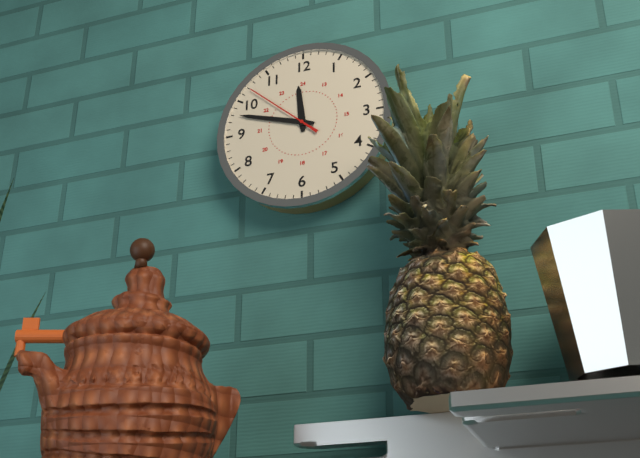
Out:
h=11 m=48 s=52
